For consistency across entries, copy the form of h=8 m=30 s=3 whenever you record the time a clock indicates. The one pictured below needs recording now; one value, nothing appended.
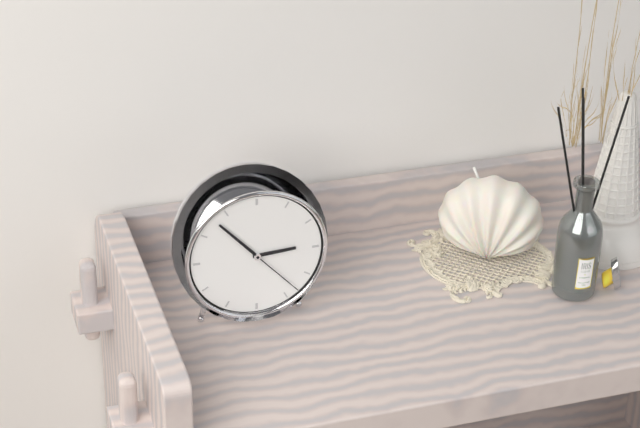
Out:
h=2 m=53 s=23
